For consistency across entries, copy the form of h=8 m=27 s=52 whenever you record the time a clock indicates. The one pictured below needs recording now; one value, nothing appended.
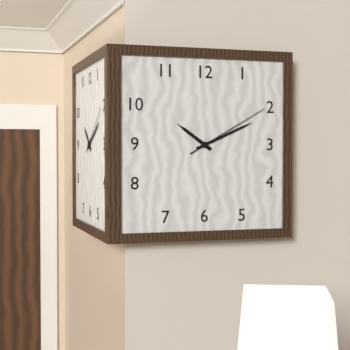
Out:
h=10 m=11 s=10
